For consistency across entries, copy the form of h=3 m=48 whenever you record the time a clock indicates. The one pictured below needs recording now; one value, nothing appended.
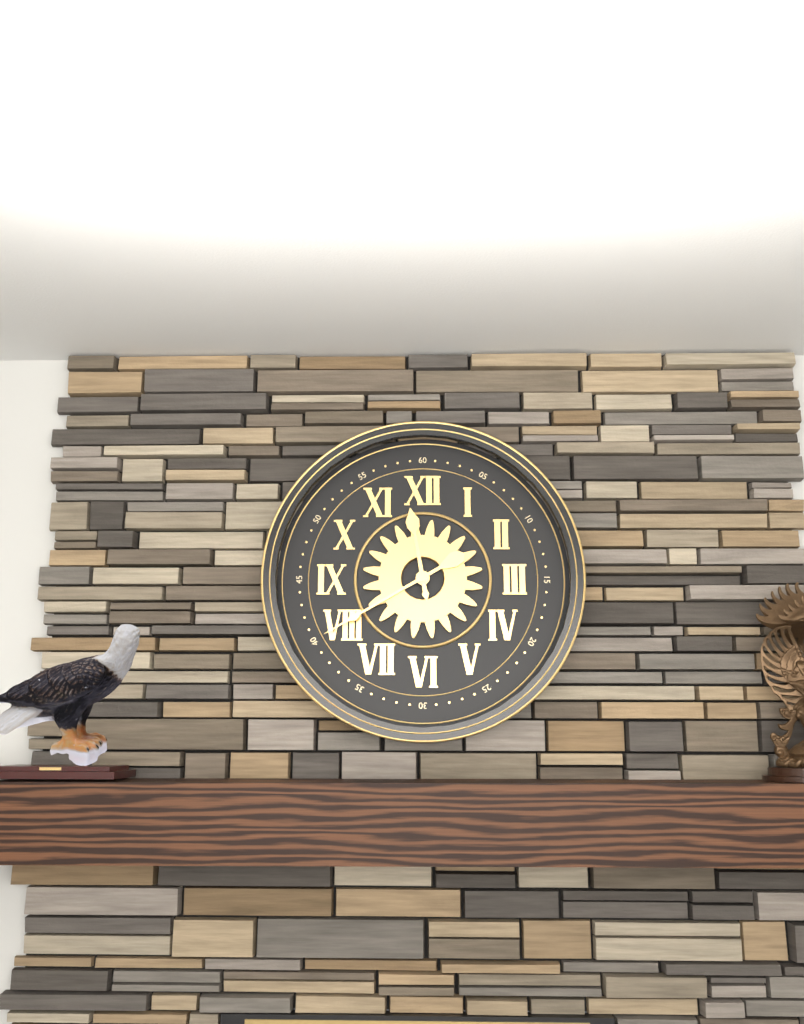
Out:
h=11 m=40
